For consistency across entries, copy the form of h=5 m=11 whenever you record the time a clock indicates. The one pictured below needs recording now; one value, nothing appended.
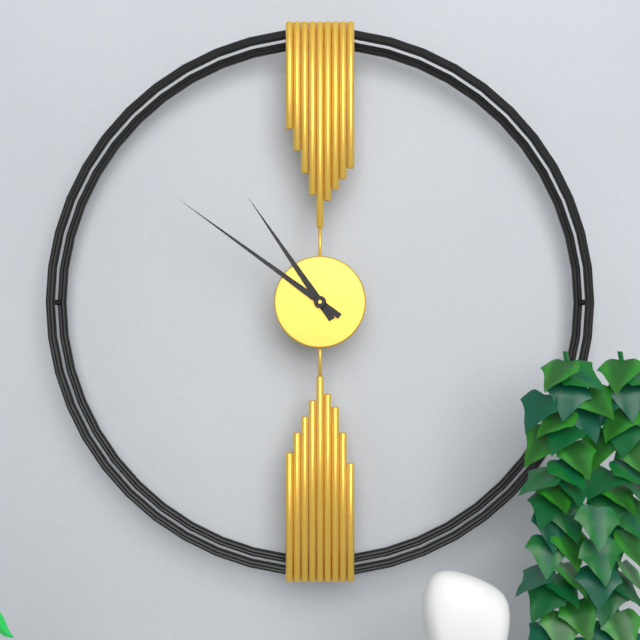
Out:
h=10 m=51
